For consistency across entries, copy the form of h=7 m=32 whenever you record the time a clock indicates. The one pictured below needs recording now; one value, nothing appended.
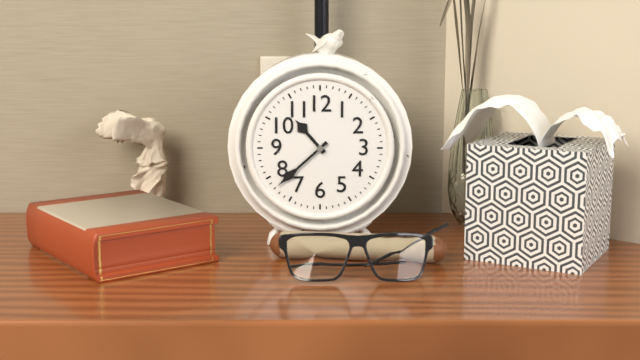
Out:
h=10 m=38
